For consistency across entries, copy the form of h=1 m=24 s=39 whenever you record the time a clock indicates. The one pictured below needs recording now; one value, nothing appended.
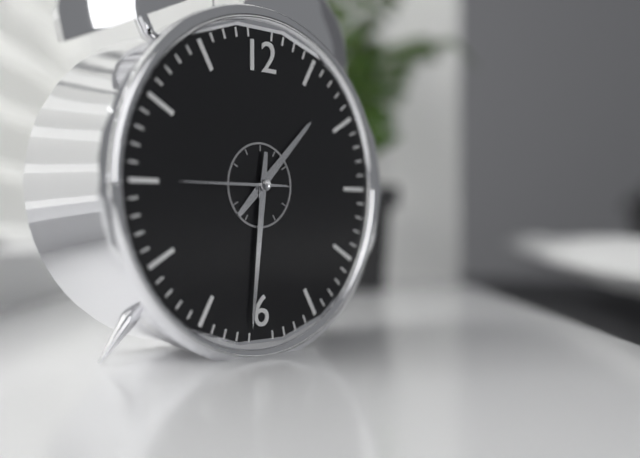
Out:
h=1 m=31 s=45
